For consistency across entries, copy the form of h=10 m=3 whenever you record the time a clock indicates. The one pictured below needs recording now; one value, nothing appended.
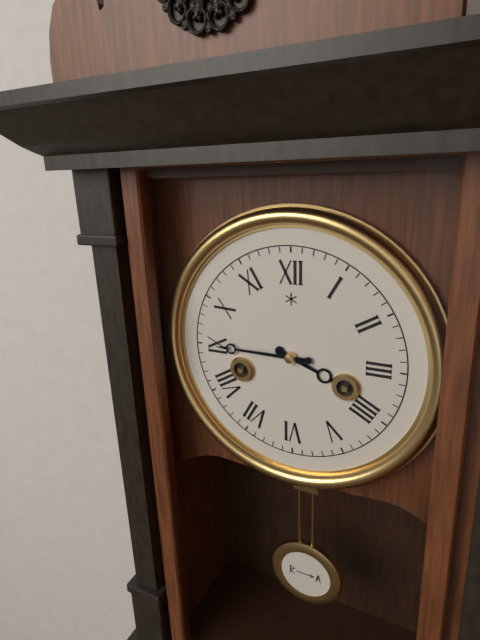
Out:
h=3 m=45
